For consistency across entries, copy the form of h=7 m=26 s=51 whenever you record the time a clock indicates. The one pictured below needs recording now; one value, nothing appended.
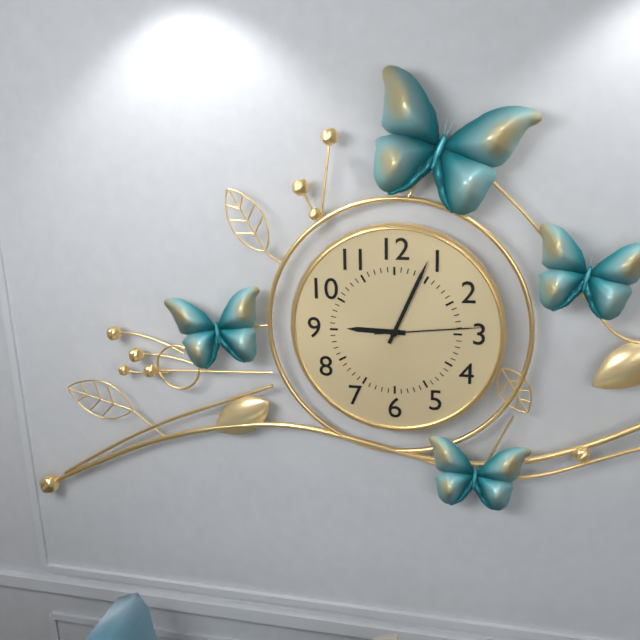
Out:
h=9 m=4 s=14
